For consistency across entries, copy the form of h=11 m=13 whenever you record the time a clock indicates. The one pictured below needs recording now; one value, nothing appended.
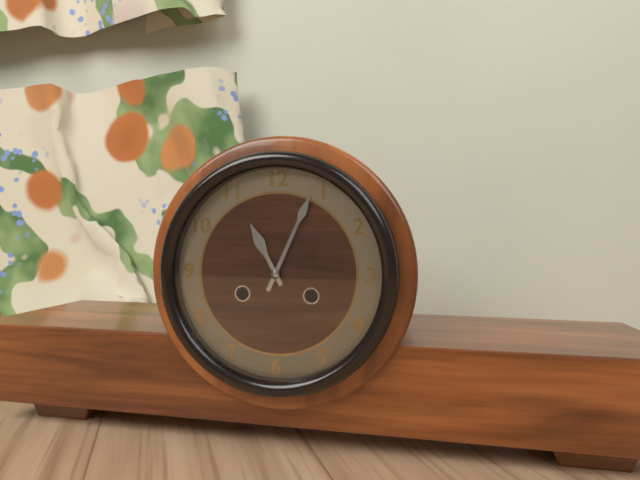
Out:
h=11 m=4
